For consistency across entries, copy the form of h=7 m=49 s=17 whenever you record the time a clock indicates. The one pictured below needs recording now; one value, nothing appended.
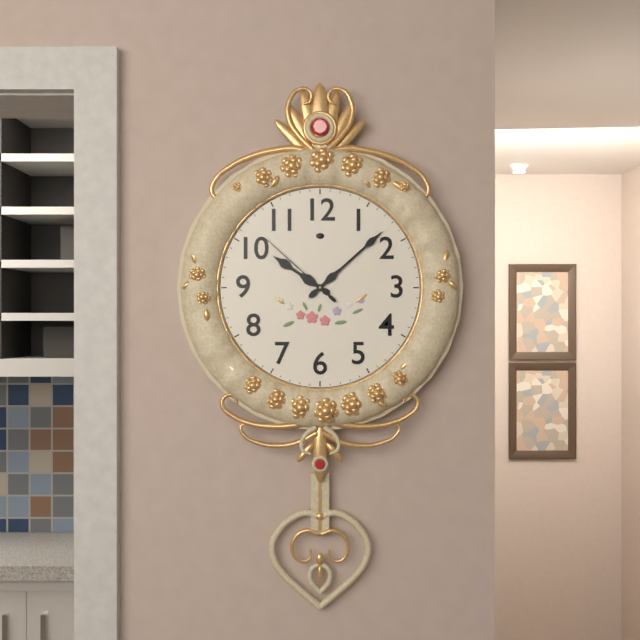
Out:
h=10 m=8 s=52
